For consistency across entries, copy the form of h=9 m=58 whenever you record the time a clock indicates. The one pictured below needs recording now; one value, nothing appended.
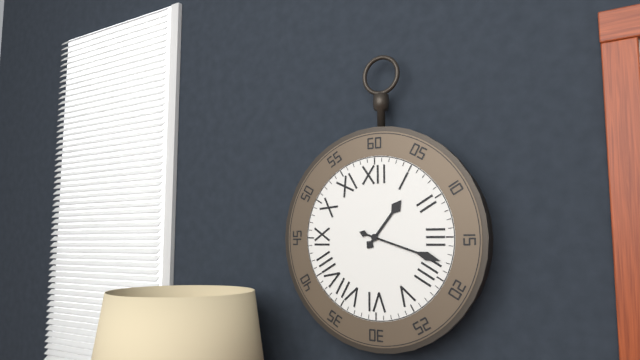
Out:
h=1 m=18
